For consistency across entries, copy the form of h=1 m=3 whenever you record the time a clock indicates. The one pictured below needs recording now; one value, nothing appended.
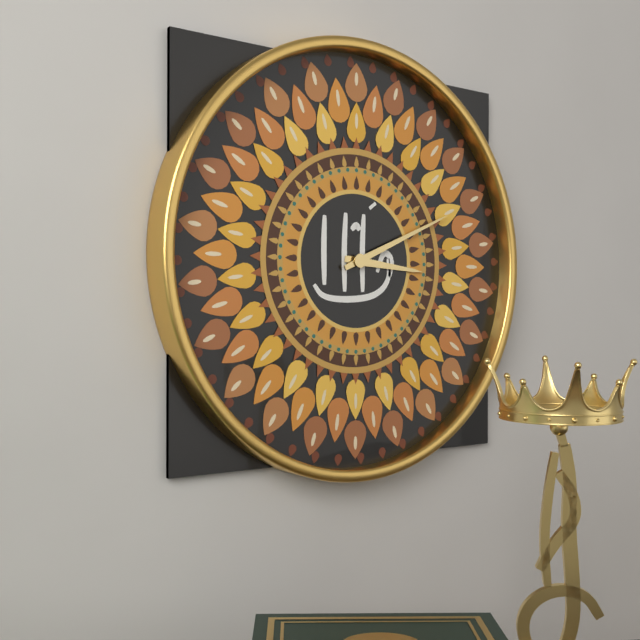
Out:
h=3 m=11
